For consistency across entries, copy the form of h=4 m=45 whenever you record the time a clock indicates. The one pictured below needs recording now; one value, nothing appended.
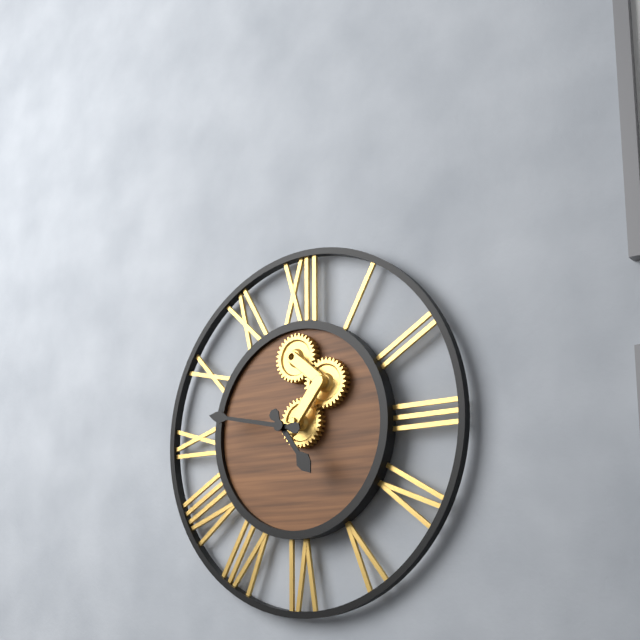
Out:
h=4 m=47
